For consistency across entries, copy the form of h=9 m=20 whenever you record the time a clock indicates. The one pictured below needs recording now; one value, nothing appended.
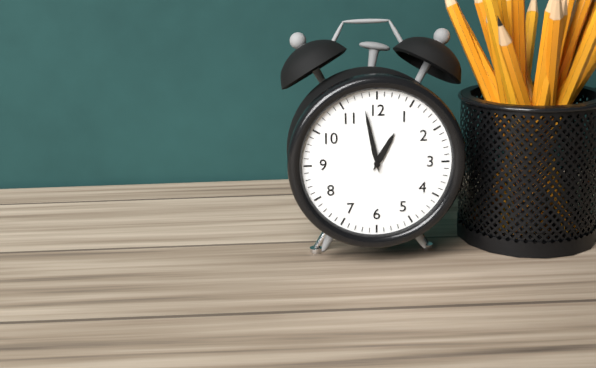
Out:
h=12 m=58
